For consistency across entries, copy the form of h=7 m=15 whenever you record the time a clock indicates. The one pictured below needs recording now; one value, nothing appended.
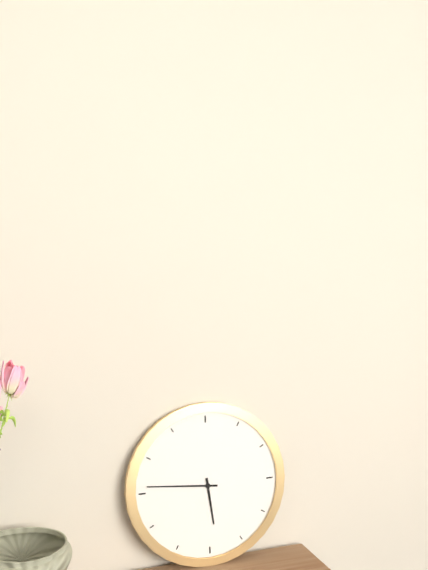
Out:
h=5 m=46
